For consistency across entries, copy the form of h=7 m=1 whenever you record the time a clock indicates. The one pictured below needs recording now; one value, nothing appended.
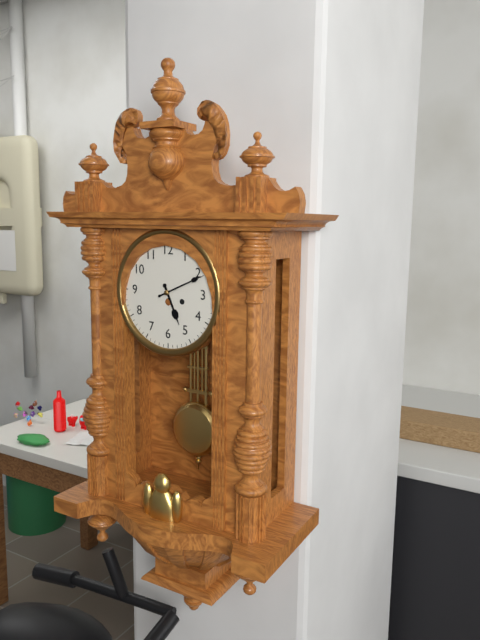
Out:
h=5 m=11
